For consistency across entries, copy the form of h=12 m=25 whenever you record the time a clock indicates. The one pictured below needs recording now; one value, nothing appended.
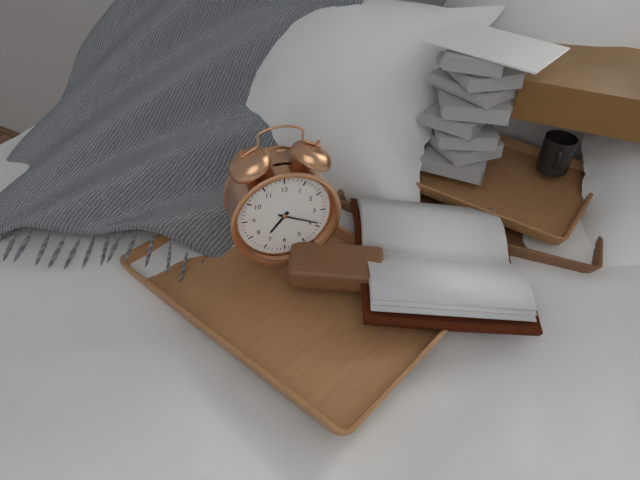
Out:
h=7 m=19
